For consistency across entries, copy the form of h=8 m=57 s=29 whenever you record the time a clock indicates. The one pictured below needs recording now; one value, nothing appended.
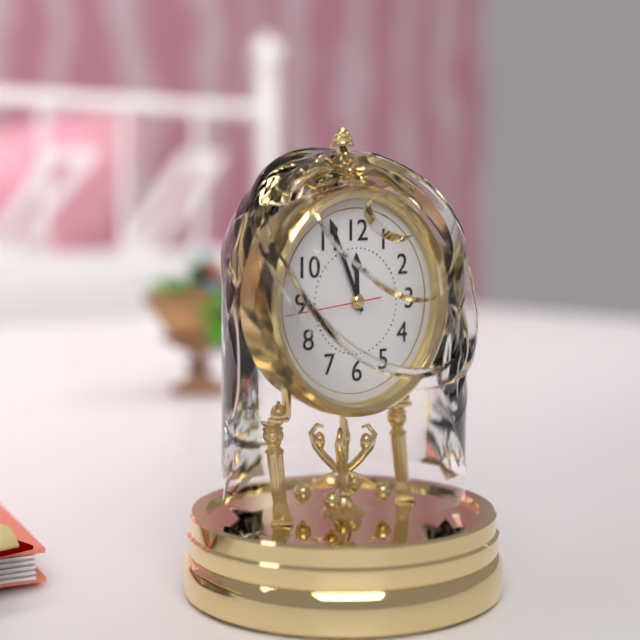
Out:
h=11 m=56 s=44
